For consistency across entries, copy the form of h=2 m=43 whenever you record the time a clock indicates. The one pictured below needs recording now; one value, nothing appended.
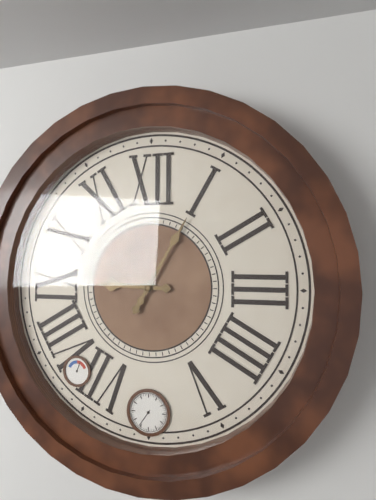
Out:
h=9 m=5
